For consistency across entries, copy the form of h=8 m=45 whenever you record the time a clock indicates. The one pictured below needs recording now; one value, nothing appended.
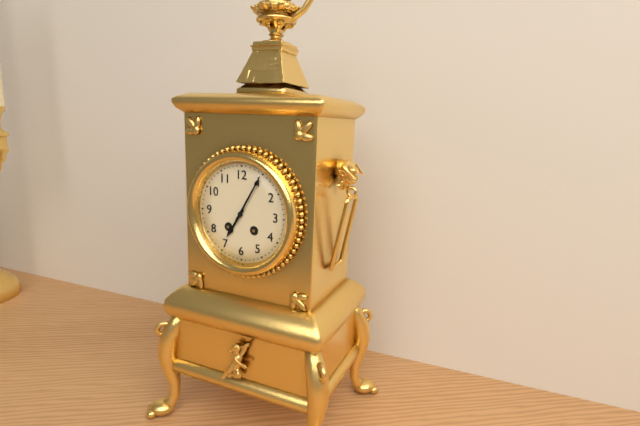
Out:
h=7 m=5
